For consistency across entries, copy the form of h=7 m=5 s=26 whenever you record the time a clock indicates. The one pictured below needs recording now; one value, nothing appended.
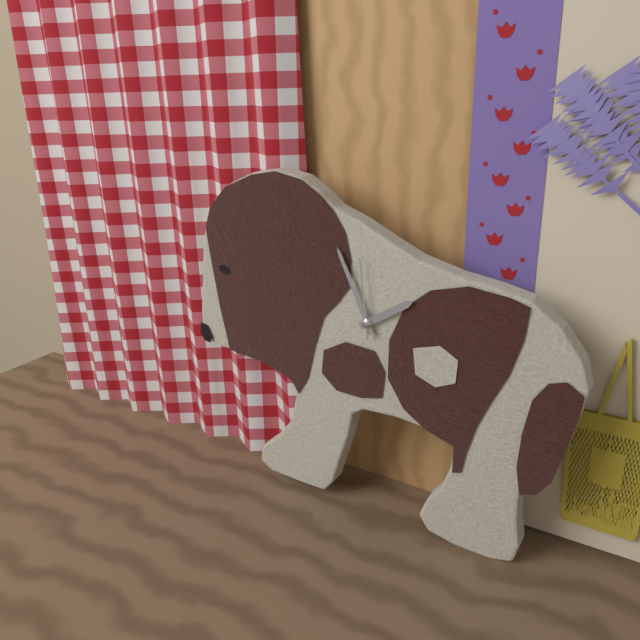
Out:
h=1 m=56 s=59
